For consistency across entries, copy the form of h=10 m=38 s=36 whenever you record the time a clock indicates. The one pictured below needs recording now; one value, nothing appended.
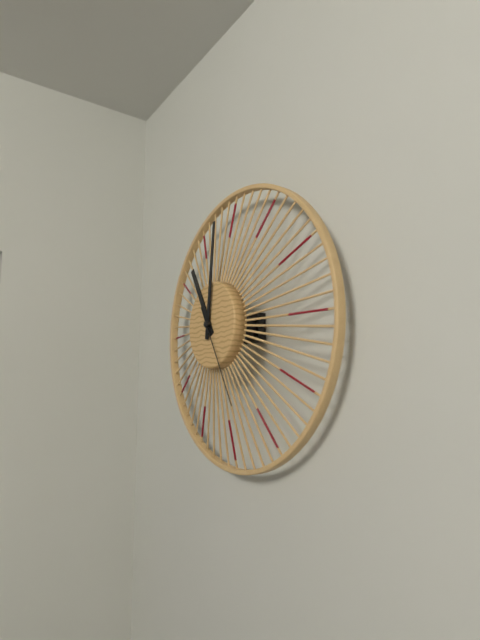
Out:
h=11 m=1 s=25
